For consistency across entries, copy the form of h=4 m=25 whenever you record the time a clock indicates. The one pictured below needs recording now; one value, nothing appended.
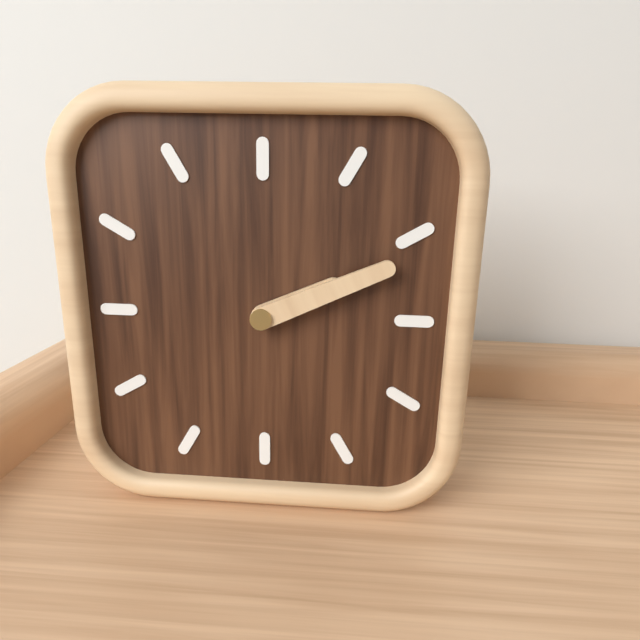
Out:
h=2 m=11
